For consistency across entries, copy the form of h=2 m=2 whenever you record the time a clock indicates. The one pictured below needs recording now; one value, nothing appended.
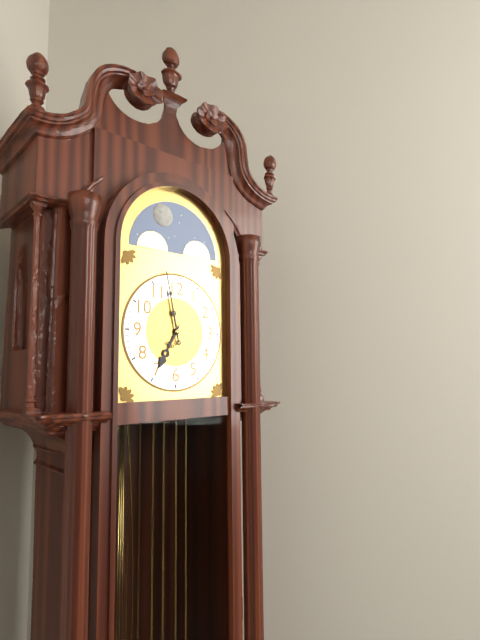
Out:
h=6 m=58
